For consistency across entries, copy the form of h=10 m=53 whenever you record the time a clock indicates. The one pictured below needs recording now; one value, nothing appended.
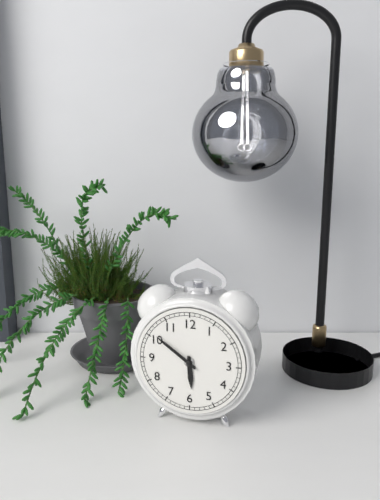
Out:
h=5 m=51
